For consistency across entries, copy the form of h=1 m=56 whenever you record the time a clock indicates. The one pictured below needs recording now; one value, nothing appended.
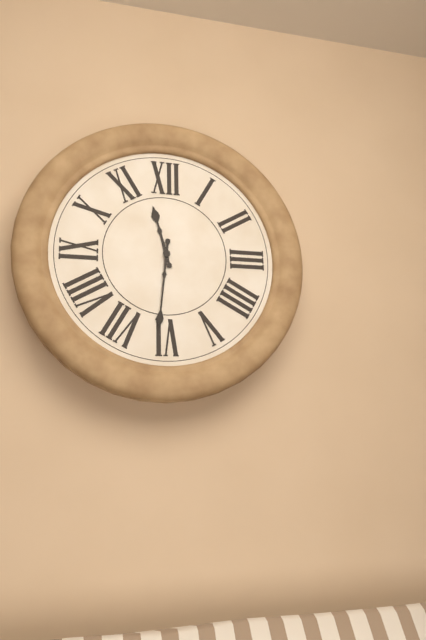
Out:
h=11 m=31
